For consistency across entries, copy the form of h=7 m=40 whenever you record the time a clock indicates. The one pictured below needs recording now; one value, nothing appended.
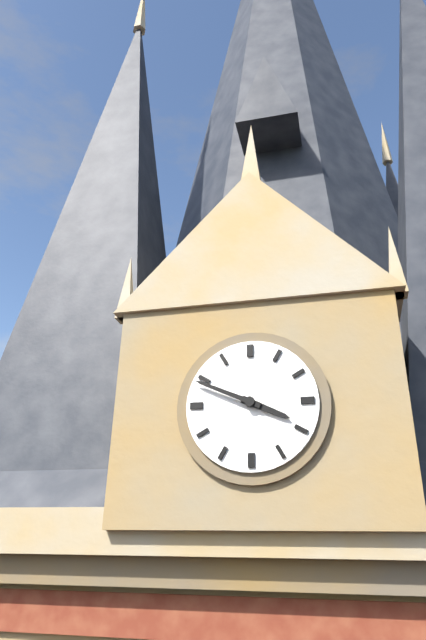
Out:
h=3 m=49
